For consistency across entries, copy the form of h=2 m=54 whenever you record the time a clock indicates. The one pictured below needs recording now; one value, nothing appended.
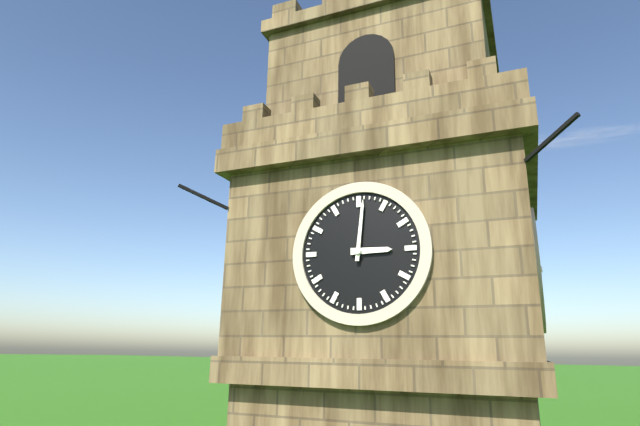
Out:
h=3 m=1
